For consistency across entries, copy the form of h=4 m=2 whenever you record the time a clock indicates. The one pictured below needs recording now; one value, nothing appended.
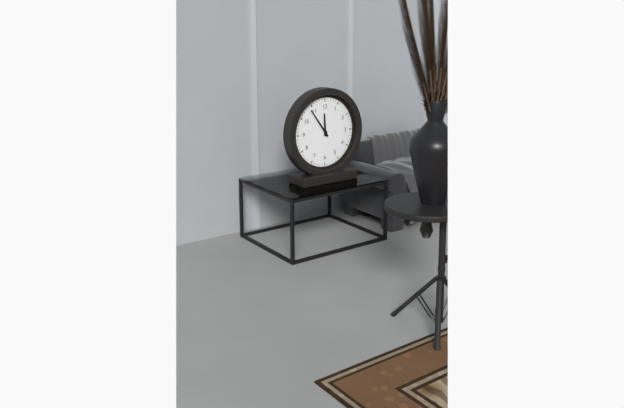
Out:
h=11 m=54
